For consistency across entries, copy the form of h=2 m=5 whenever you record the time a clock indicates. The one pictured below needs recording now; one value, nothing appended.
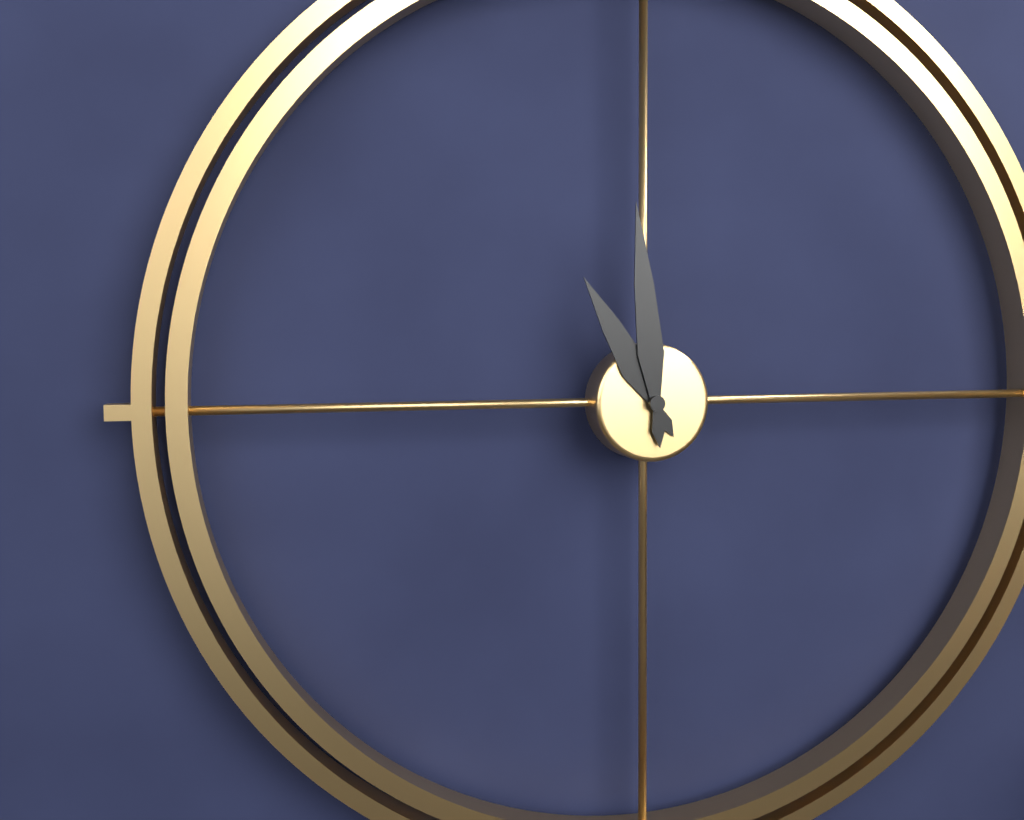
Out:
h=10 m=59
